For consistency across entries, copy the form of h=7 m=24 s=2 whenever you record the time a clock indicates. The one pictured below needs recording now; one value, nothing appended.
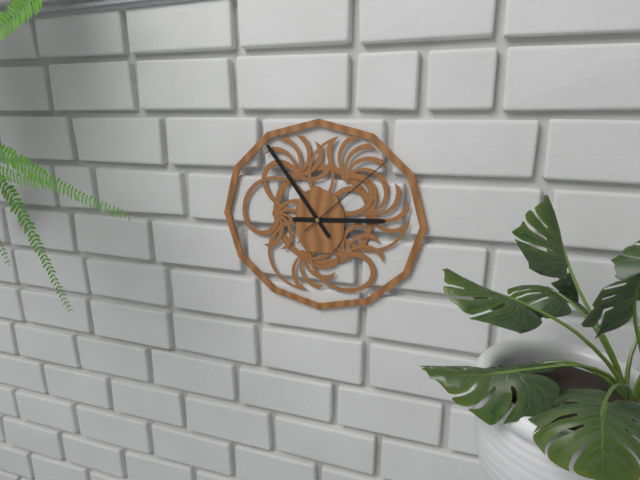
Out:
h=2 m=54 s=8
